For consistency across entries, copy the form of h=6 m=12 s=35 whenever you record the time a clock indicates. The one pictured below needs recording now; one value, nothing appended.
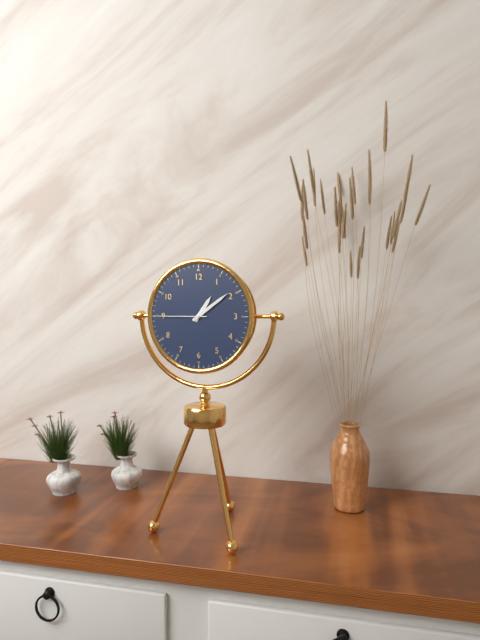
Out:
h=1 m=9 s=45
